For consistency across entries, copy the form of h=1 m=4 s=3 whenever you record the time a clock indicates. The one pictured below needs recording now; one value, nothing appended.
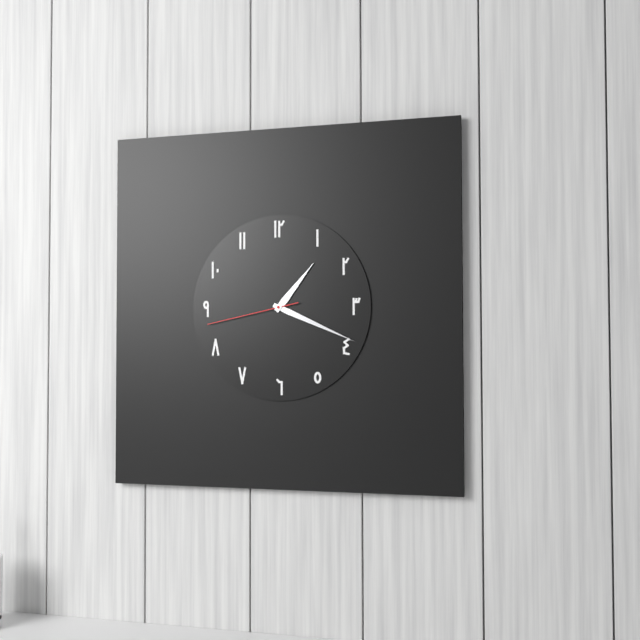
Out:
h=1 m=19 s=43
